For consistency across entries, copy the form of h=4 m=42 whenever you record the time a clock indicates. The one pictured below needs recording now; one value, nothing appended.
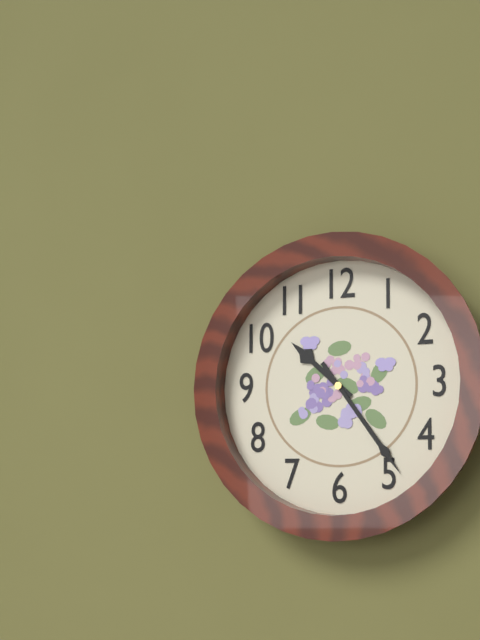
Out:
h=10 m=24
